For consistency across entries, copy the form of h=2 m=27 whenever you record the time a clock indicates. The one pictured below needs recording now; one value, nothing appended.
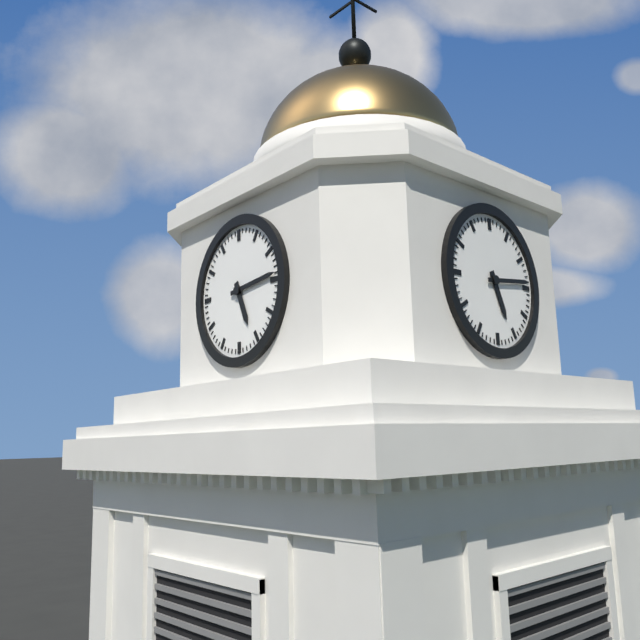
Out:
h=5 m=14
